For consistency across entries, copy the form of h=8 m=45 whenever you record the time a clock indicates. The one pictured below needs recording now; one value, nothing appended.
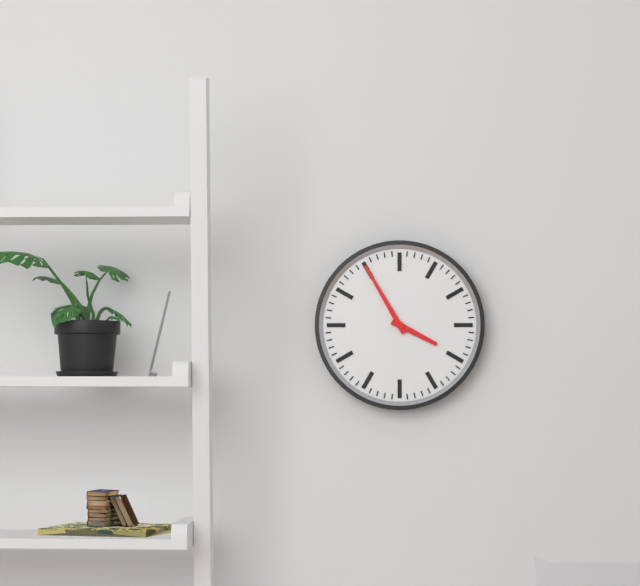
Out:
h=3 m=55
